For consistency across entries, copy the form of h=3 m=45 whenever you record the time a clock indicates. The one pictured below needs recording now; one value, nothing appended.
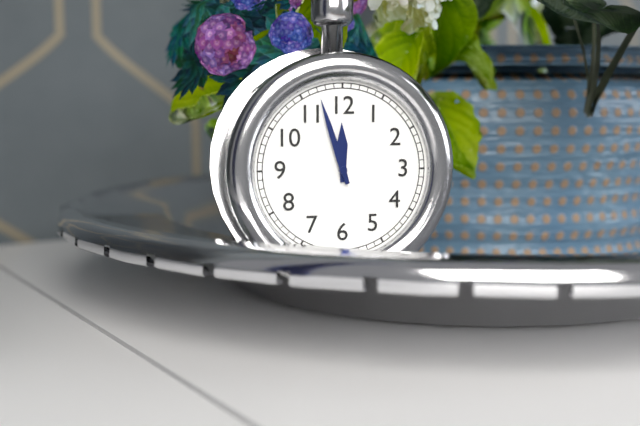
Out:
h=11 m=57
